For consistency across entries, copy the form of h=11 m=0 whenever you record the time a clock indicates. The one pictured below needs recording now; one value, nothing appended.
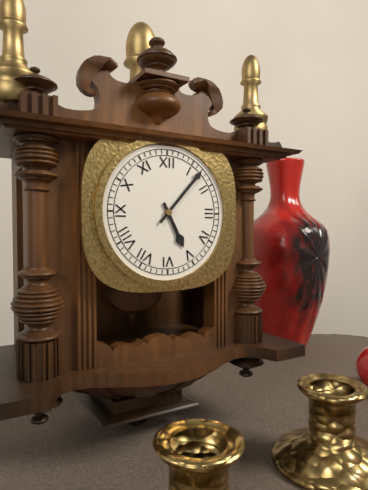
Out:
h=5 m=7
